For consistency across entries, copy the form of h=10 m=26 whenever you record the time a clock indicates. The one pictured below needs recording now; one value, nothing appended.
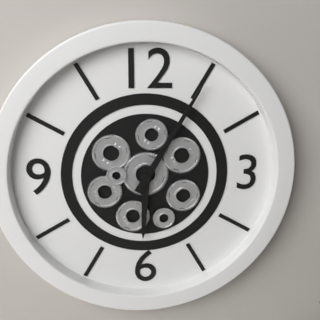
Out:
h=6 m=5
